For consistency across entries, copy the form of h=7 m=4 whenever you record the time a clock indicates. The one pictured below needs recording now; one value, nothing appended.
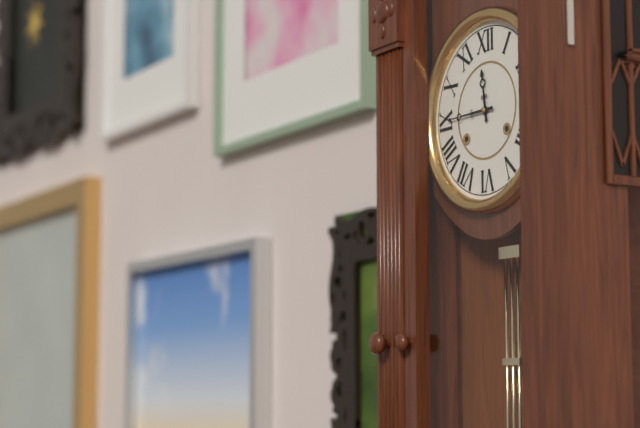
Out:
h=11 m=45
